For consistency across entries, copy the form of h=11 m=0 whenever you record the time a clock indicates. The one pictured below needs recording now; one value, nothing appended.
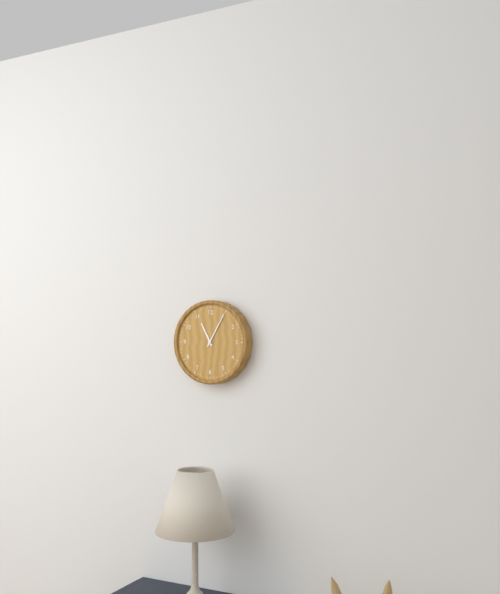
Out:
h=11 m=5
